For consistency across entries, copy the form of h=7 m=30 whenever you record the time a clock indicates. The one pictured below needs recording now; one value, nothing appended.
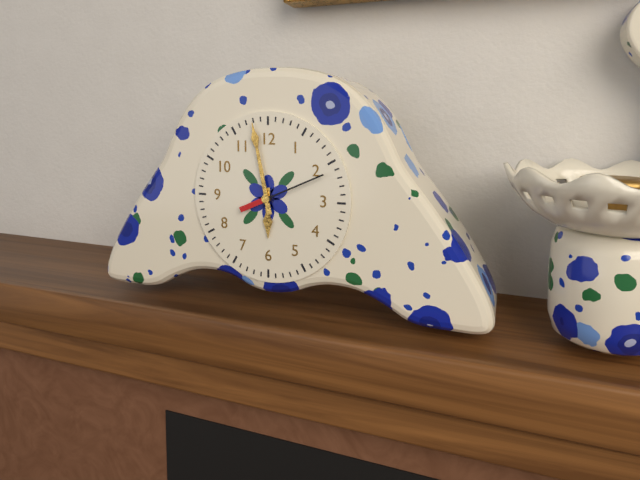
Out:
h=5 m=58
